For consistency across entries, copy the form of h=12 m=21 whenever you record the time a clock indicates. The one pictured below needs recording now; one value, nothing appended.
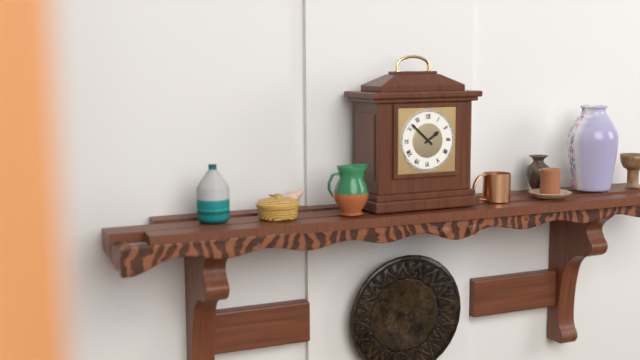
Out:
h=1 m=52
